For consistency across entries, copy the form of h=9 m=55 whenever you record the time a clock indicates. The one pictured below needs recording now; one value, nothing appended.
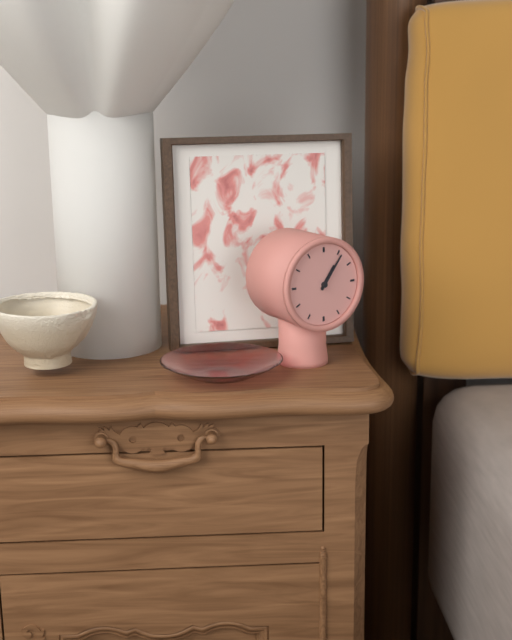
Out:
h=1 m=6
